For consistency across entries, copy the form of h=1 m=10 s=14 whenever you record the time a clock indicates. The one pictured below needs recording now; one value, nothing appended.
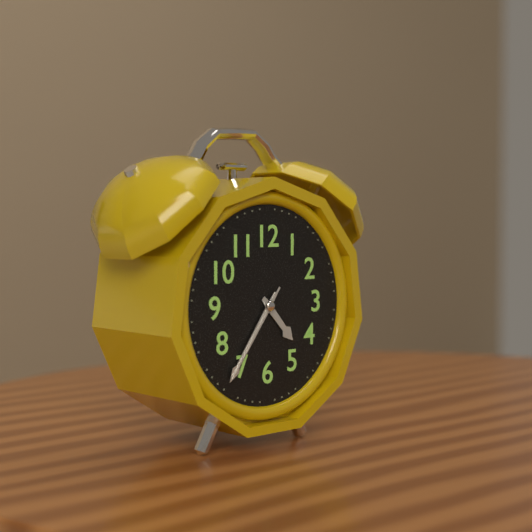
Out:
h=4 m=36 s=36
